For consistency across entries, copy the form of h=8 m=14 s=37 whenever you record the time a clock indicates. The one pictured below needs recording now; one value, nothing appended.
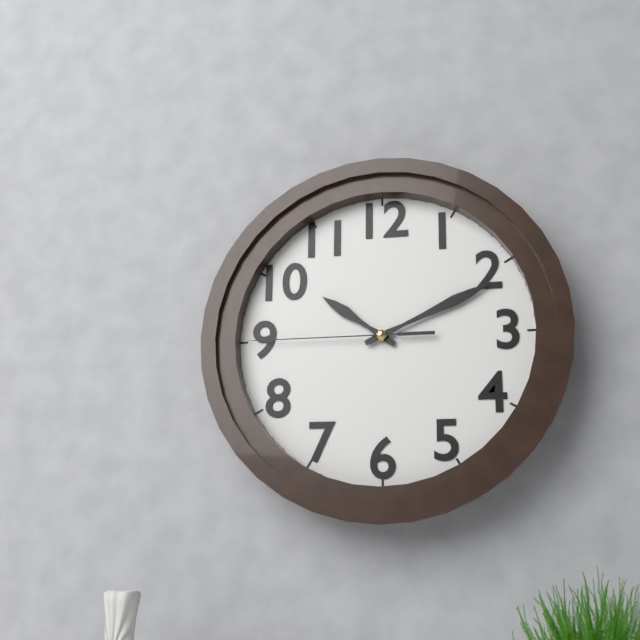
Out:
h=10 m=11 s=45
